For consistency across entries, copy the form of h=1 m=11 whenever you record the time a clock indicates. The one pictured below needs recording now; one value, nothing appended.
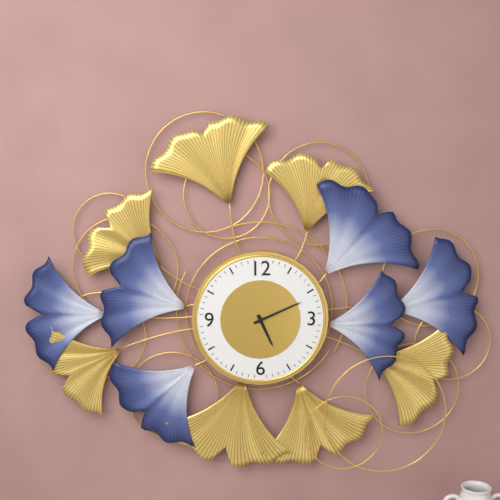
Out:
h=5 m=11
